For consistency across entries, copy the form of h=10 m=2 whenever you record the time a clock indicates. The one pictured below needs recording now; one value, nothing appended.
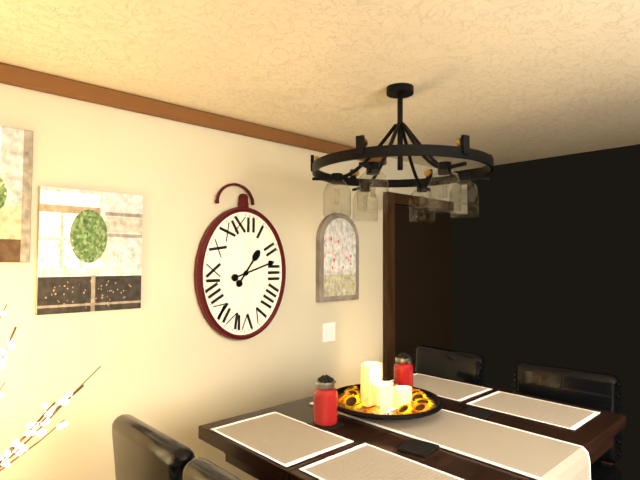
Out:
h=1 m=12
